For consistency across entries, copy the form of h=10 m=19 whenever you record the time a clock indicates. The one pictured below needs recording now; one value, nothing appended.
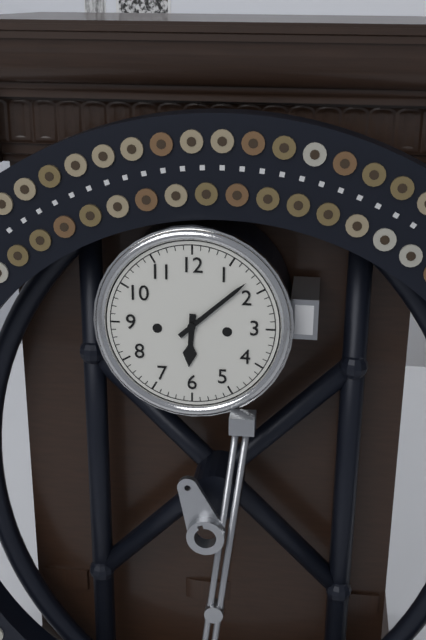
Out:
h=6 m=8
